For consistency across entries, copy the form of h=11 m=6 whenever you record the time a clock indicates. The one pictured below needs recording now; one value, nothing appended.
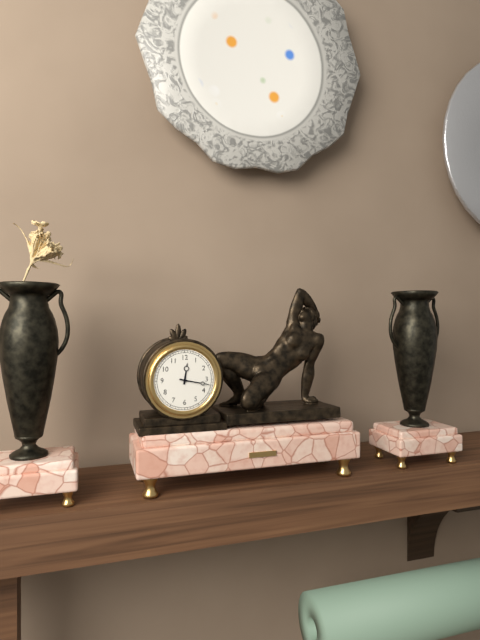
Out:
h=12 m=17
